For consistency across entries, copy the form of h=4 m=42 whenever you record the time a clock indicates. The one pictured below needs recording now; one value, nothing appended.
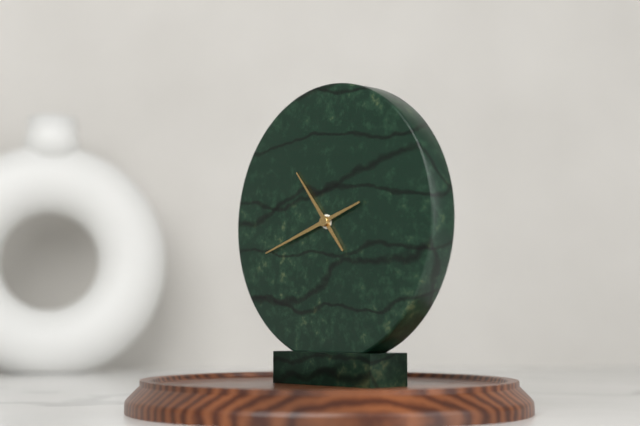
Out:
h=10 m=42
